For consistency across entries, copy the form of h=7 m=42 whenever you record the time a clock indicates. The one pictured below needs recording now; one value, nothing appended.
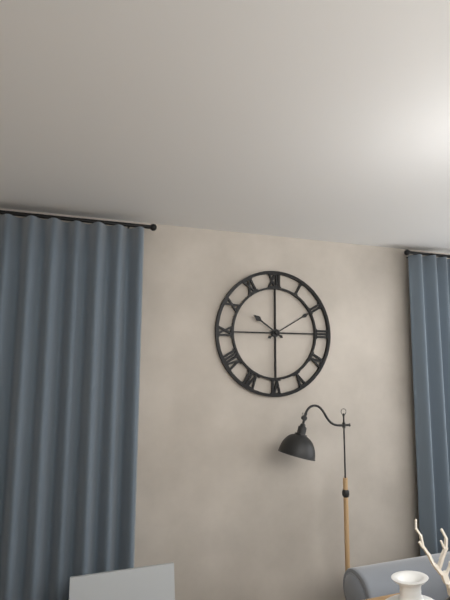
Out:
h=10 m=10
